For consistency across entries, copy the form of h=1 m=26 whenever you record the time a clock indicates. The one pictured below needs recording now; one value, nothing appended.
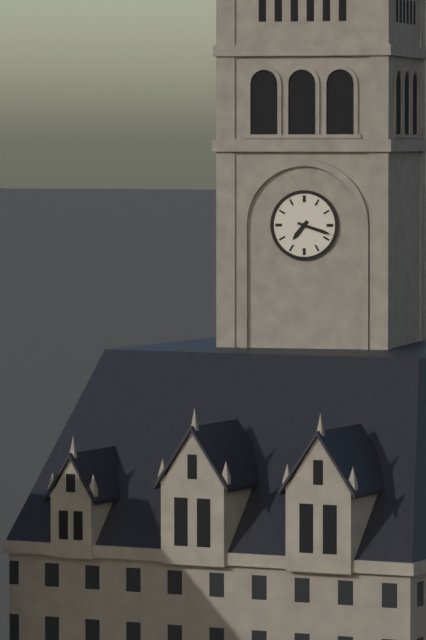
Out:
h=7 m=18
